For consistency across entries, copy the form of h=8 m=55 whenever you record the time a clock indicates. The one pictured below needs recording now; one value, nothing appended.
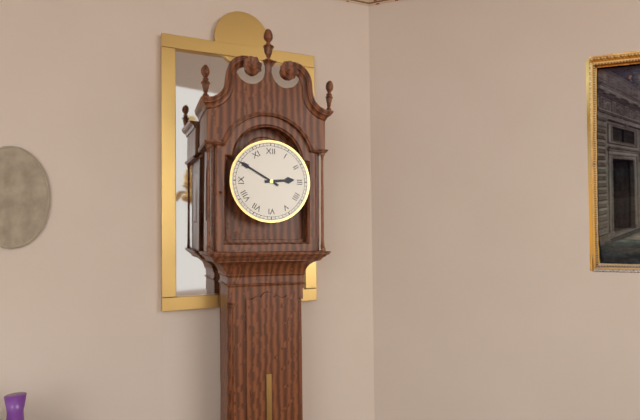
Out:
h=2 m=50
